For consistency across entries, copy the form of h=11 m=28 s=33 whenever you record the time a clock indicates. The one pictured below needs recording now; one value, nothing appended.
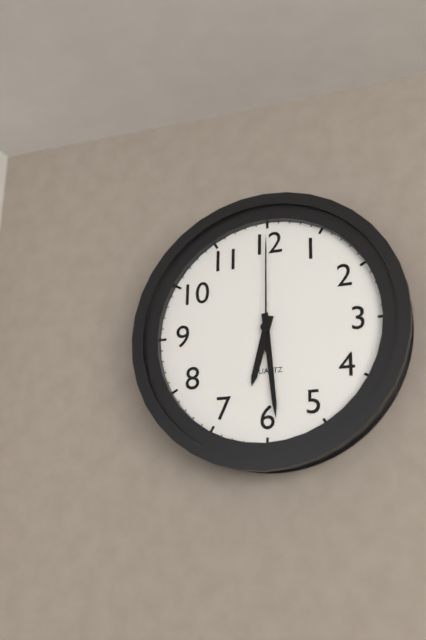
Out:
h=6 m=29 s=0
